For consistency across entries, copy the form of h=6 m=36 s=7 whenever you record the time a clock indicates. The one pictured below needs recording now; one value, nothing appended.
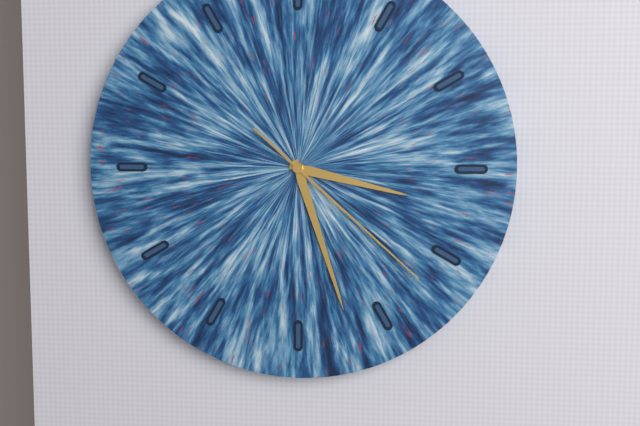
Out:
h=3 m=27 s=22
